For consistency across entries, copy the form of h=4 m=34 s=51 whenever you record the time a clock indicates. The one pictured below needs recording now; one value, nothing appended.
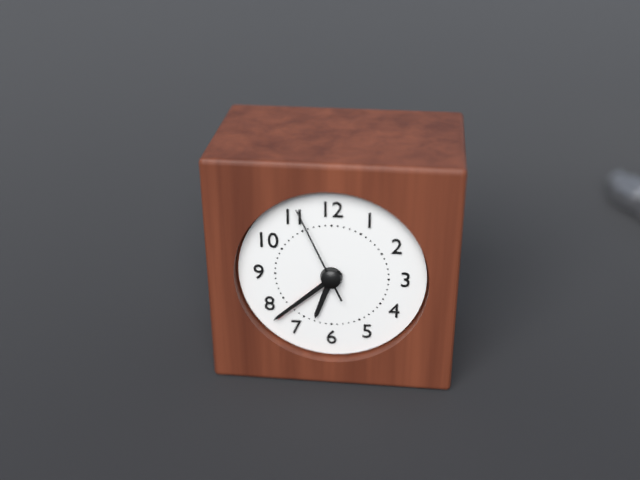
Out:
h=6 m=38 s=56
